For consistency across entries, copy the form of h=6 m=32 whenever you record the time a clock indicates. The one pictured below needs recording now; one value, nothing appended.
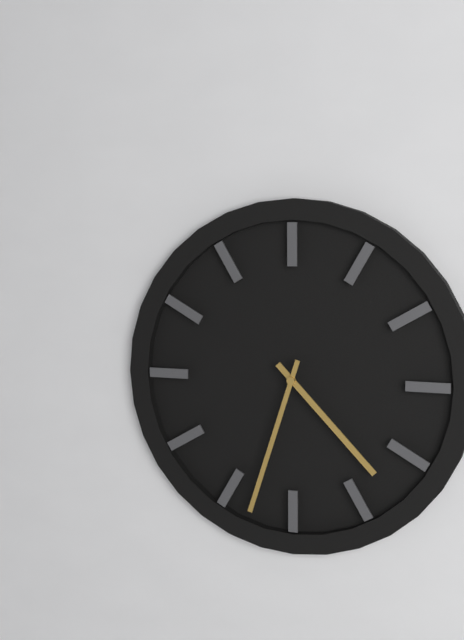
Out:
h=4 m=33
